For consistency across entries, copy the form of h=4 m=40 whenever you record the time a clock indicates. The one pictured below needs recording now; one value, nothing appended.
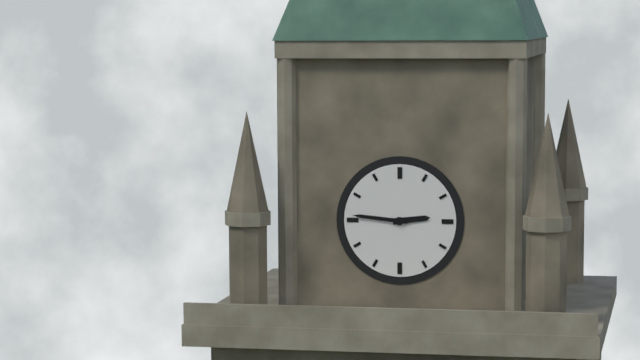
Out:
h=2 m=46
